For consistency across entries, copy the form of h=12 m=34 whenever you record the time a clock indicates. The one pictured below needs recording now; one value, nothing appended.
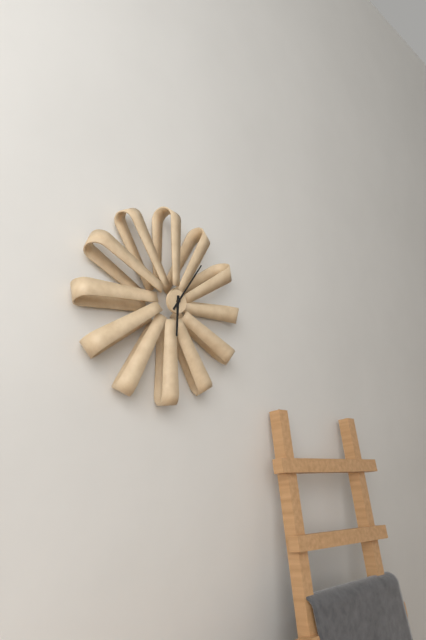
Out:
h=6 m=6
